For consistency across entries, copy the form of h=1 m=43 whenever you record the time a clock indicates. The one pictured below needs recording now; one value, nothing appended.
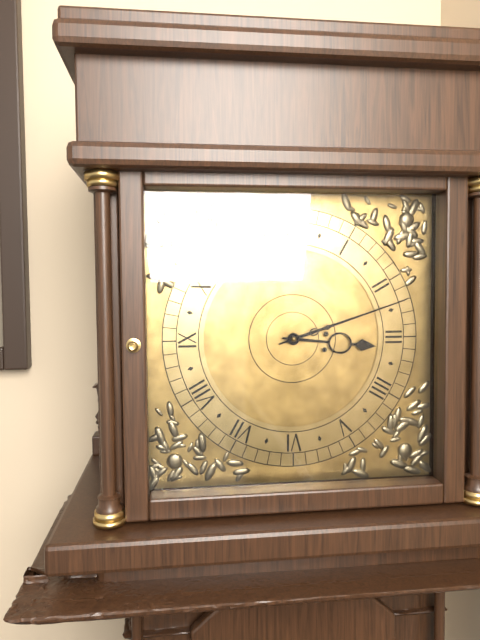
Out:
h=3 m=12
